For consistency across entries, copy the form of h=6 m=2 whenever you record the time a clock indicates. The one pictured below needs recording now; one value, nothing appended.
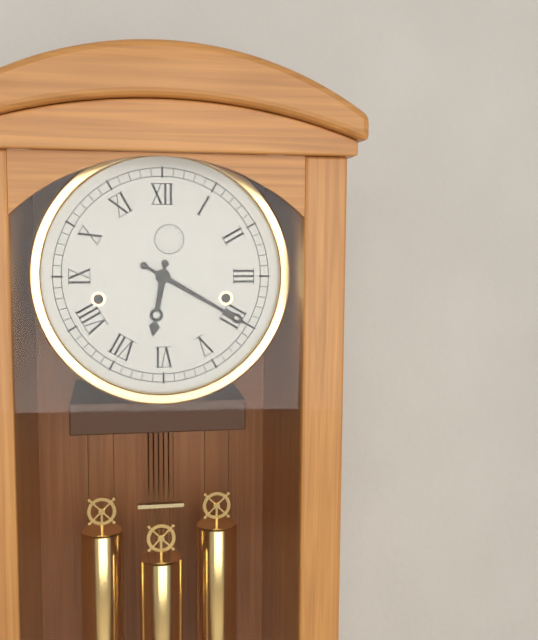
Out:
h=6 m=20
